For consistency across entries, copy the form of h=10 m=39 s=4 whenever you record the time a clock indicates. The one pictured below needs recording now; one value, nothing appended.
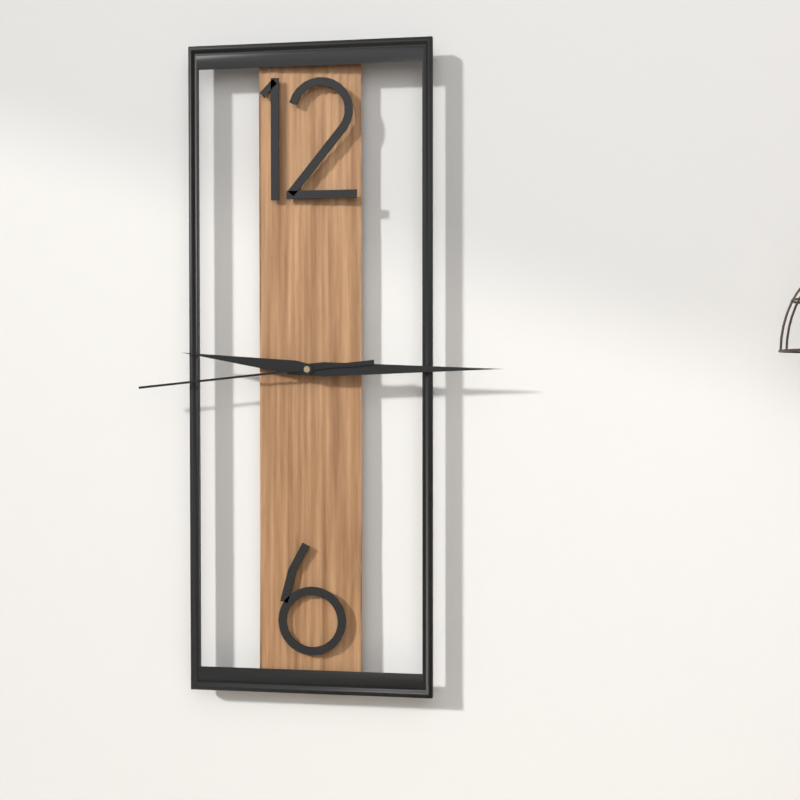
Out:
h=9 m=15 s=44
